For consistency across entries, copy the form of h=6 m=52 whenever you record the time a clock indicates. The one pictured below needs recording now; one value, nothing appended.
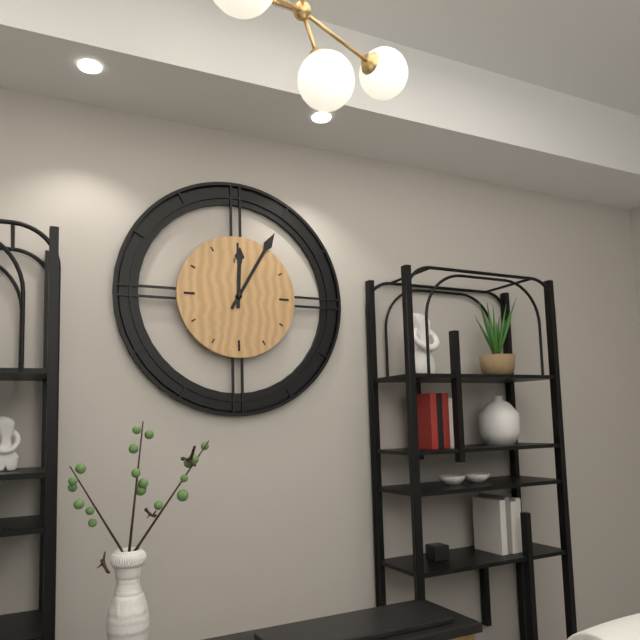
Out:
h=12 m=5
